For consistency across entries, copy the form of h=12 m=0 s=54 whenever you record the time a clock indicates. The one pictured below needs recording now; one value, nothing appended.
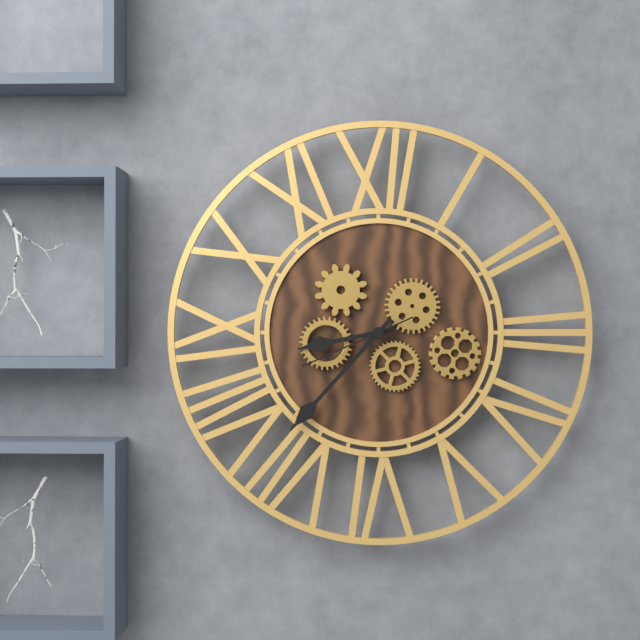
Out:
h=8 m=37 s=41
